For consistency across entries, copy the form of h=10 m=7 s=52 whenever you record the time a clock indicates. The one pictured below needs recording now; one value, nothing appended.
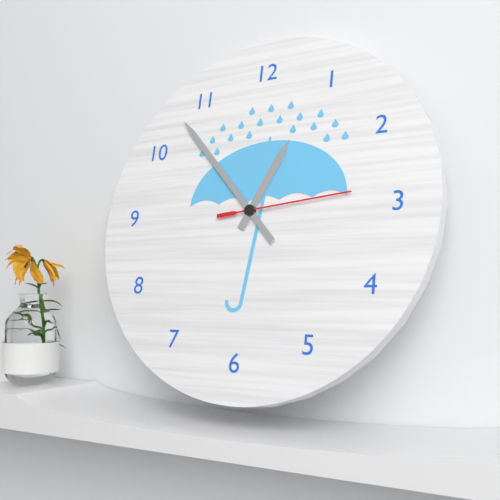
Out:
h=12 m=53 s=14
